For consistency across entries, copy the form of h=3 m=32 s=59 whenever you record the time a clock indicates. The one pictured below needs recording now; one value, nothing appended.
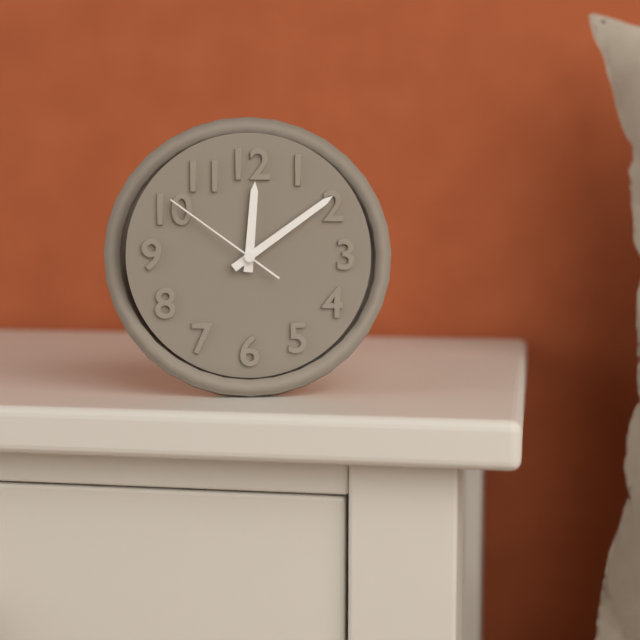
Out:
h=12 m=9 s=51
